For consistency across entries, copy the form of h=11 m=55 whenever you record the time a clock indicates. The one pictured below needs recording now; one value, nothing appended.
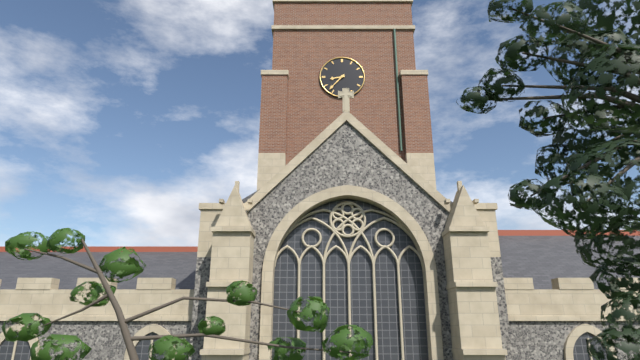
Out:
h=8 m=37
